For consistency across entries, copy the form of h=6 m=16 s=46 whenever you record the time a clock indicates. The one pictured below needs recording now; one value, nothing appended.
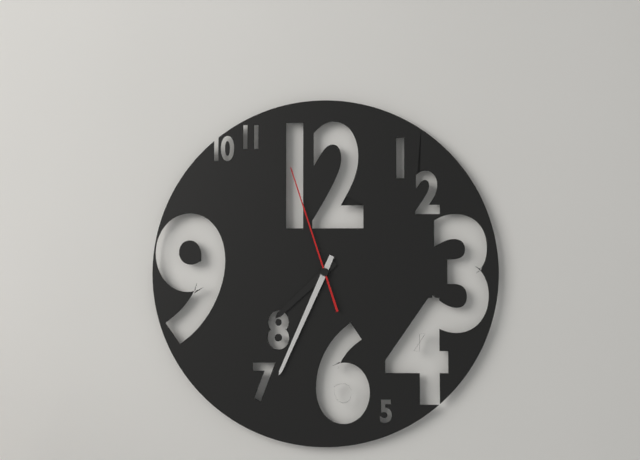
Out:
h=7 m=34 s=57
